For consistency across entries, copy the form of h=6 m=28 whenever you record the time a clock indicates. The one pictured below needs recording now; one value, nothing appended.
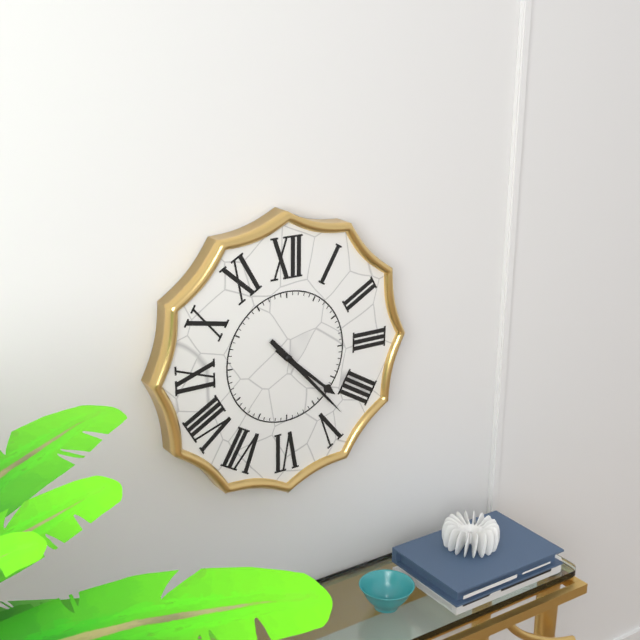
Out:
h=4 m=23
